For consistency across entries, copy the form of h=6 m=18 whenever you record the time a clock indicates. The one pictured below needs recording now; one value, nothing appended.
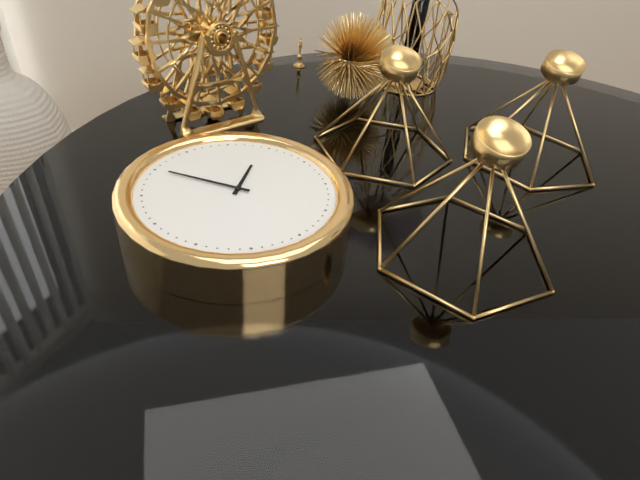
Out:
h=12 m=50
